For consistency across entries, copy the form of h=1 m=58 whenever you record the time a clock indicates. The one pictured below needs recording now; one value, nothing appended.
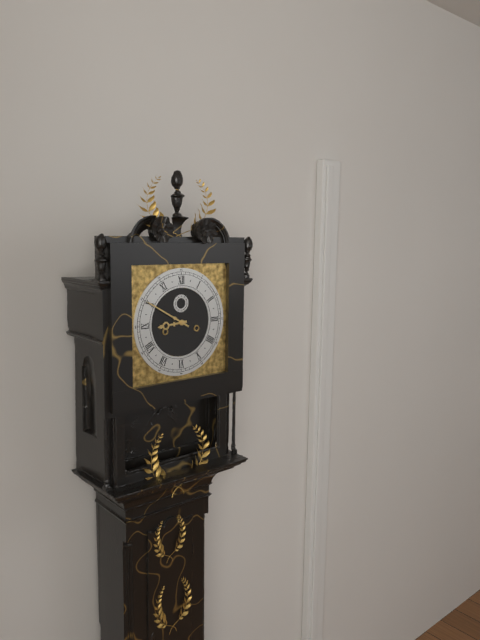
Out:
h=8 m=50
